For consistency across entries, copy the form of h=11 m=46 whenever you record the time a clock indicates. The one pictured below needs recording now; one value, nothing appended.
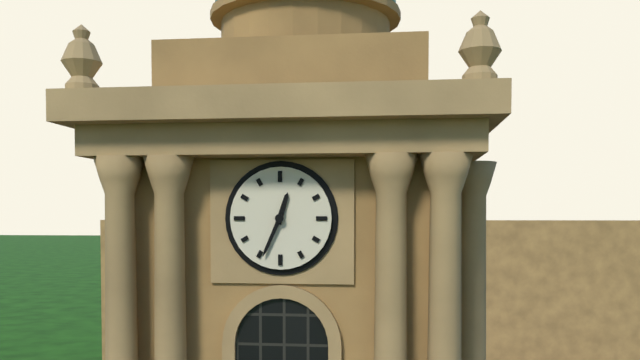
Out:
h=12 m=34
